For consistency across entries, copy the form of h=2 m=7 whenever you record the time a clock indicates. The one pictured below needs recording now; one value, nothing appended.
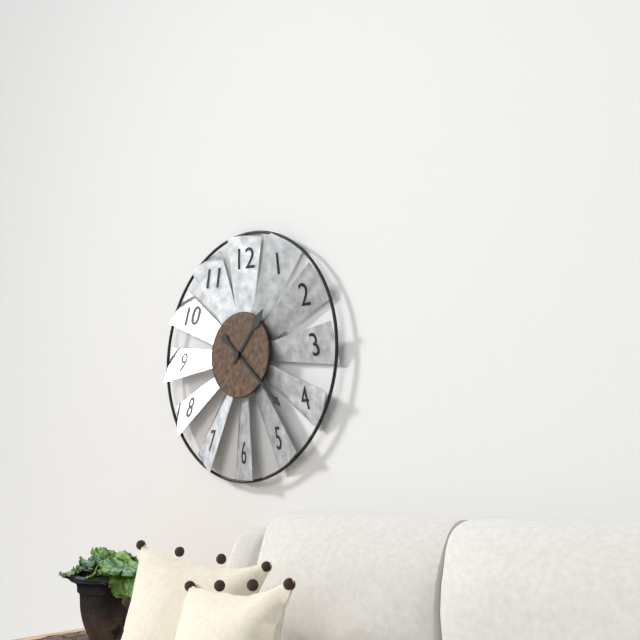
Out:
h=1 m=22
